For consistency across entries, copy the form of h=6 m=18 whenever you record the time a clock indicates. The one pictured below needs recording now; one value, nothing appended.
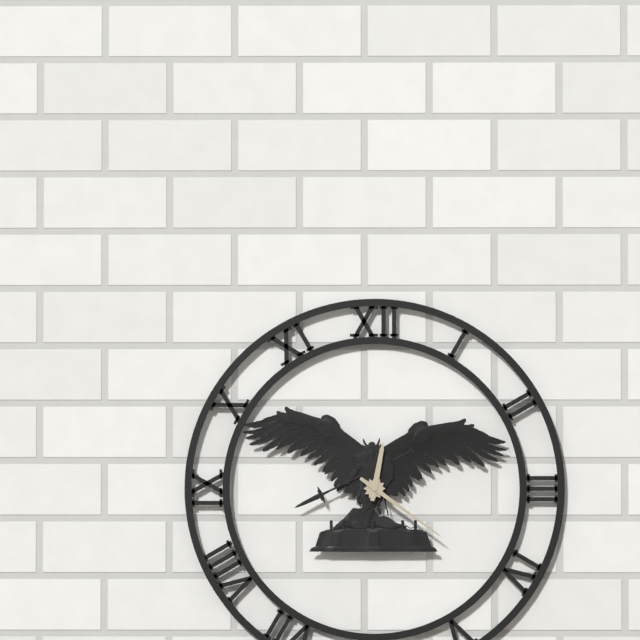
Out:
h=12 m=21
